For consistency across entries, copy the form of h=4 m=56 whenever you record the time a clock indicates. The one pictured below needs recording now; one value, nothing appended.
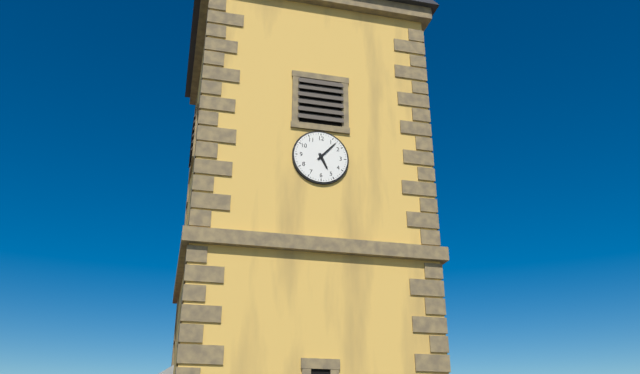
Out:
h=5 m=7
